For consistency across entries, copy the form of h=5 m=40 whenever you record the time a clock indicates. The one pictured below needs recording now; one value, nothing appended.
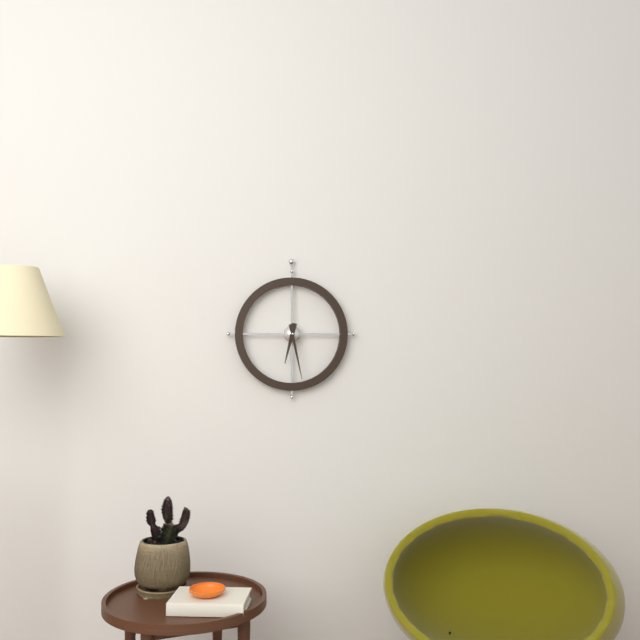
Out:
h=6 m=28
